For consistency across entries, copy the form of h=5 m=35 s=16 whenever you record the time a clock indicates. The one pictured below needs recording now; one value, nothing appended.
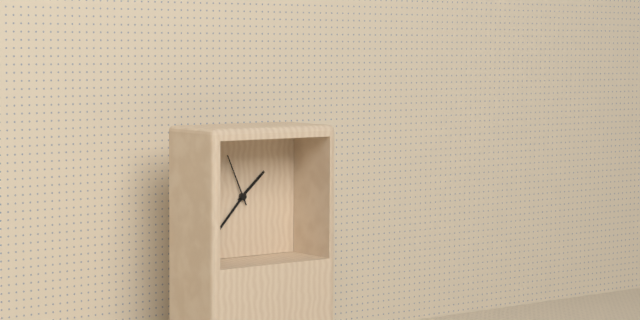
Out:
h=1 m=37 s=56
